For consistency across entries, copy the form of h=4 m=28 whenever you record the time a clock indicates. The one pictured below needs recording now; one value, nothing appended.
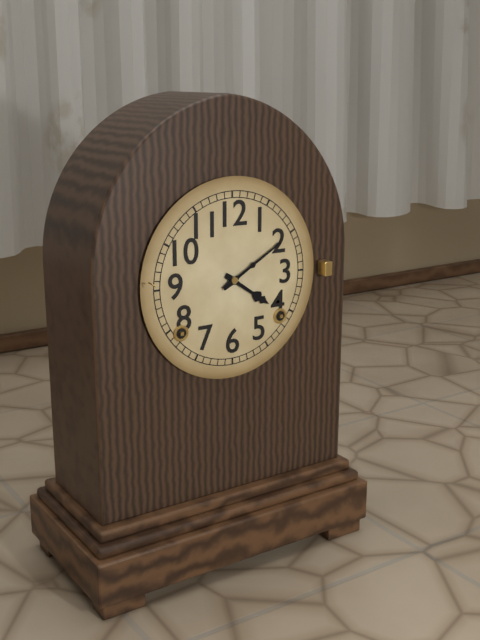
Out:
h=4 m=10
